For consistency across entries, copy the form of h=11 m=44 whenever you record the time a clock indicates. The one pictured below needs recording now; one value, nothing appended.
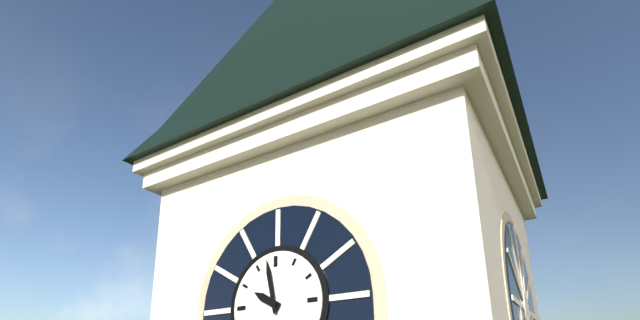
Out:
h=9 m=58
